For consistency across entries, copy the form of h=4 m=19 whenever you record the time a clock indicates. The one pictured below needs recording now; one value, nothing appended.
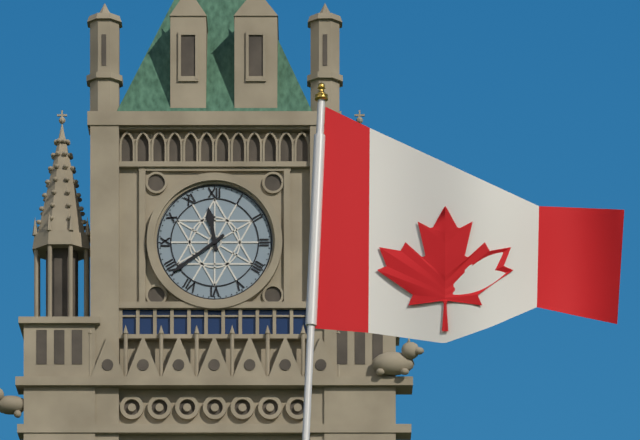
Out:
h=11 m=39
